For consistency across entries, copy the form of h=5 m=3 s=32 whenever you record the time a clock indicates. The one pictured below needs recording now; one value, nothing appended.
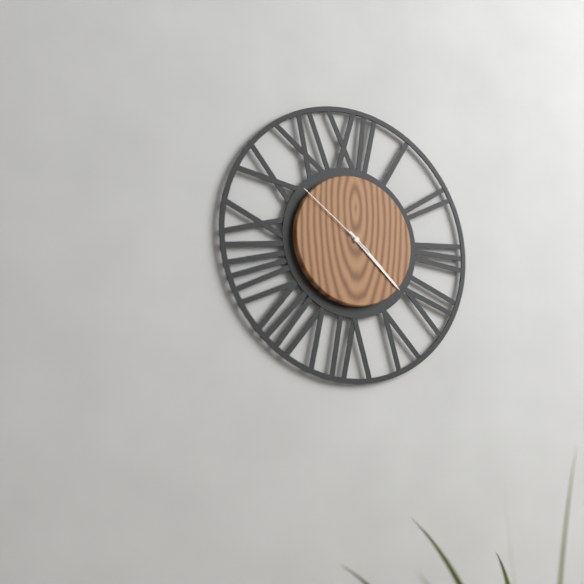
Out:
h=4 m=22 s=51
